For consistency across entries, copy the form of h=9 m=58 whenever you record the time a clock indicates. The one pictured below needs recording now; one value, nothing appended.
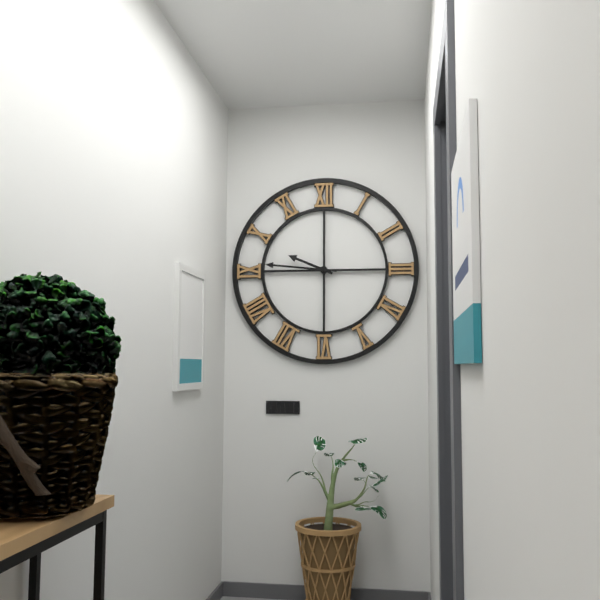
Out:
h=9 m=46
